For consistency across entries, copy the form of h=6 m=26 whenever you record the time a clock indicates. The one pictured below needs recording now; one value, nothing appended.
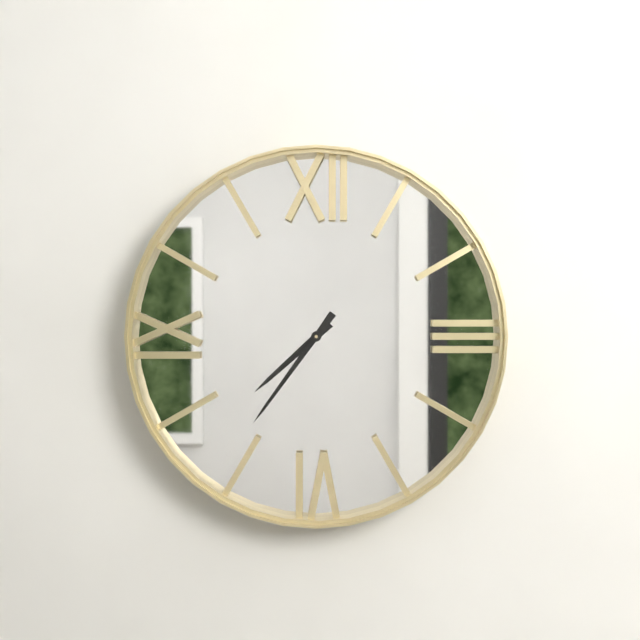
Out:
h=7 m=36
